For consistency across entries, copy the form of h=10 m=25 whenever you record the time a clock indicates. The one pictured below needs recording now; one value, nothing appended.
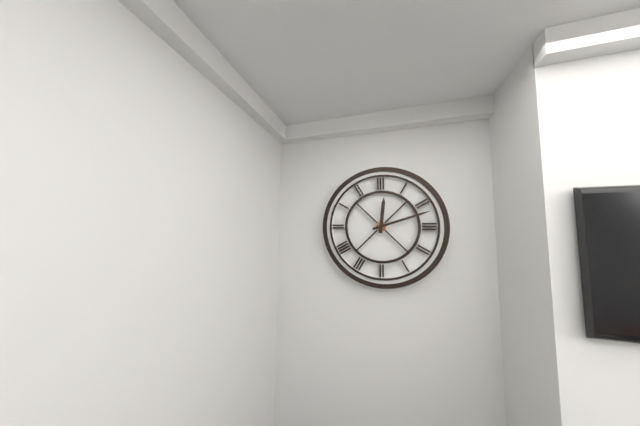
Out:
h=12 m=12
